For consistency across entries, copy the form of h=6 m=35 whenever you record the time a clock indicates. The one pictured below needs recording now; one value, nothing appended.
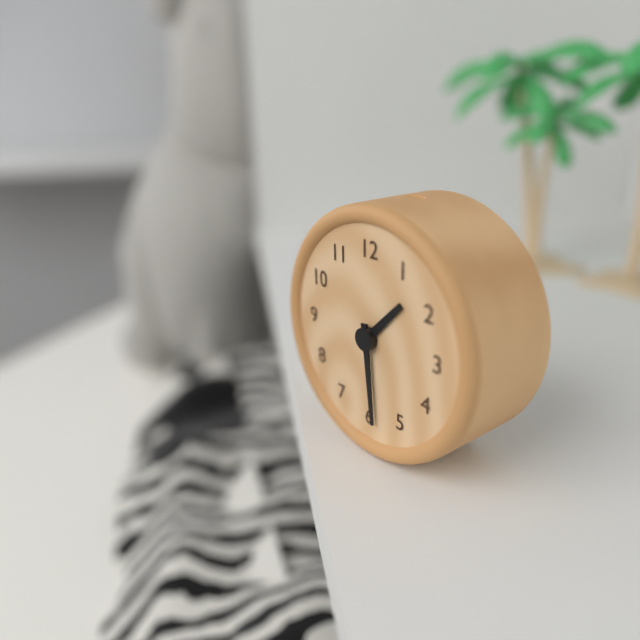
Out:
h=1 m=29
